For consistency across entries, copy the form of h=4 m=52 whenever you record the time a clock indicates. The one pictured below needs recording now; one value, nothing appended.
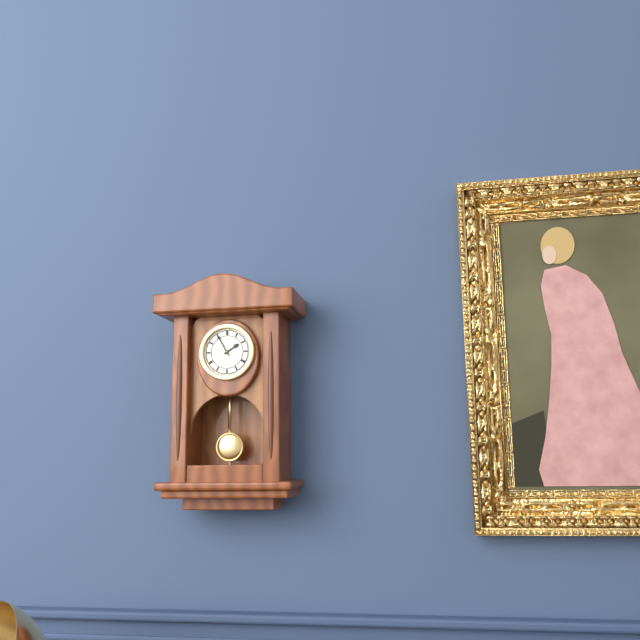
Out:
h=1 m=55
